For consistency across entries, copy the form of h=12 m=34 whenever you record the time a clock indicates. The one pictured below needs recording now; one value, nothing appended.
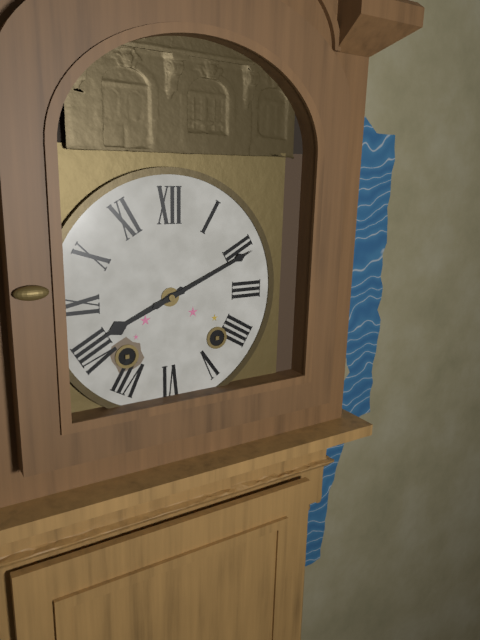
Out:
h=8 m=11
